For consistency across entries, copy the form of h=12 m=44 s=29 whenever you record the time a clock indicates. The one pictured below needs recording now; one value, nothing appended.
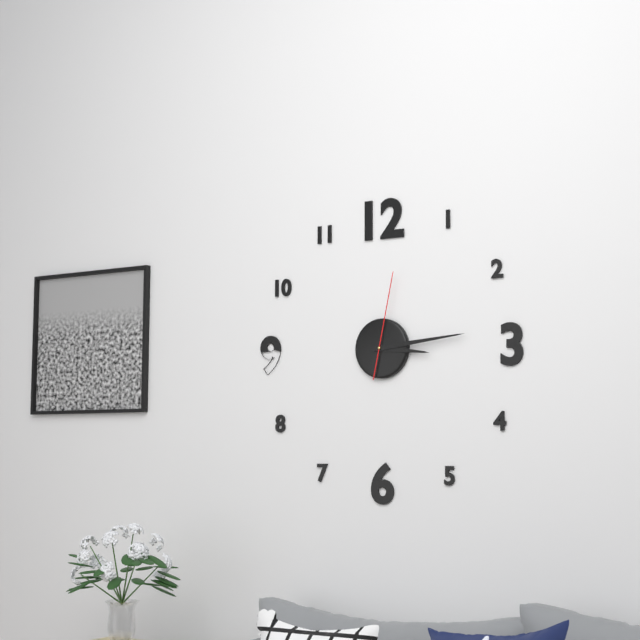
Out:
h=3 m=14 s=2
